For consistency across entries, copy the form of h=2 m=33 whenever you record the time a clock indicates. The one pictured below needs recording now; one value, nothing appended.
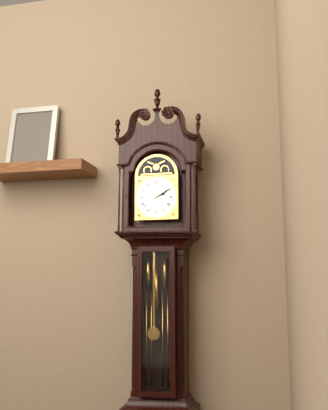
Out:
h=2 m=10
